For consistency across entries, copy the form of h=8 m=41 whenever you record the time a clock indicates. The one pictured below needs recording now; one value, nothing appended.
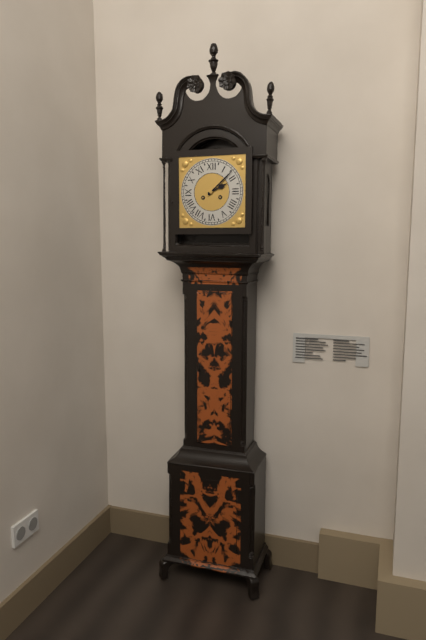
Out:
h=2 m=8
